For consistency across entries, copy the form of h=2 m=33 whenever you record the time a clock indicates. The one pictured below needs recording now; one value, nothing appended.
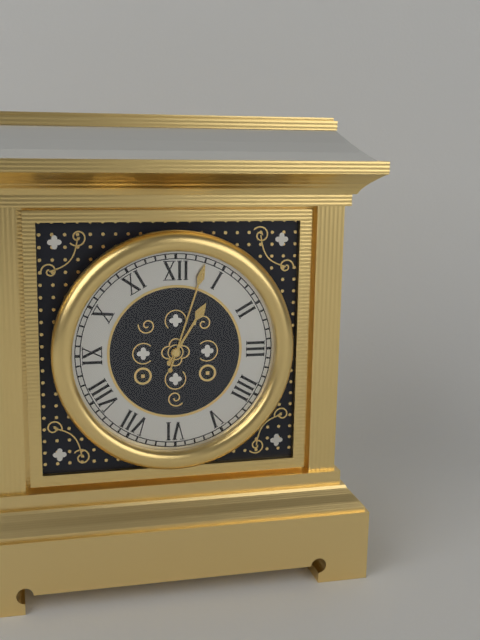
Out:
h=1 m=3
